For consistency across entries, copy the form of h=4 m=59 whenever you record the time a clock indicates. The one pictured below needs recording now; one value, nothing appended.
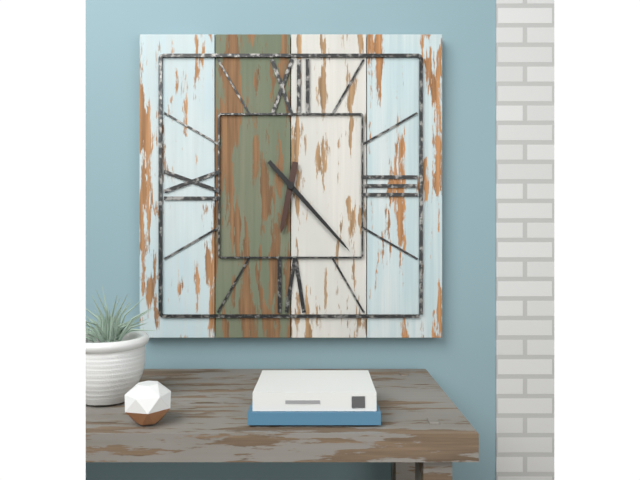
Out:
h=6 m=23
